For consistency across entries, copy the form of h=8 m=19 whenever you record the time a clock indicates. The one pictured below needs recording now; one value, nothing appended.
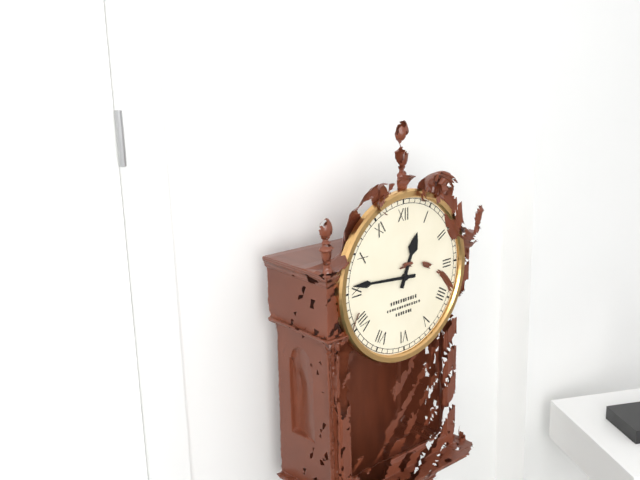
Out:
h=12 m=46
